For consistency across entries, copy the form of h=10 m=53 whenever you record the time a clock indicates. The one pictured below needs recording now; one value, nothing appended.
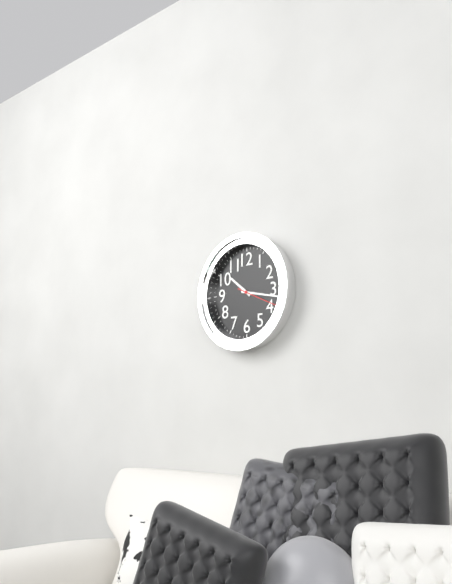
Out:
h=10 m=17
